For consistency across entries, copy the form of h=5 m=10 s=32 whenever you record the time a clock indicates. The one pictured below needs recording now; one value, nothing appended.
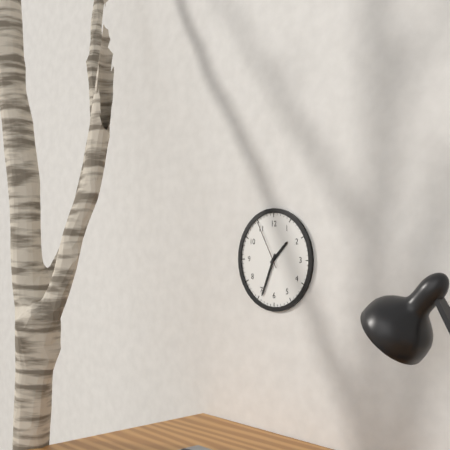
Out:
h=1 m=34 s=55
